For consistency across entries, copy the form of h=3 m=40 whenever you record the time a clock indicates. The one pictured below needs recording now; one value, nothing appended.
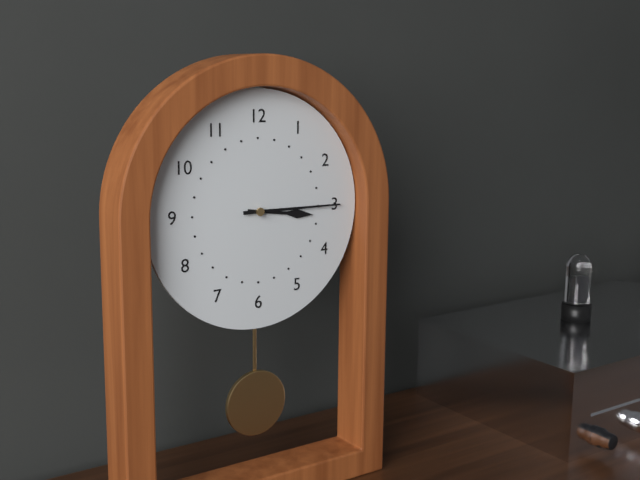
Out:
h=3 m=15
